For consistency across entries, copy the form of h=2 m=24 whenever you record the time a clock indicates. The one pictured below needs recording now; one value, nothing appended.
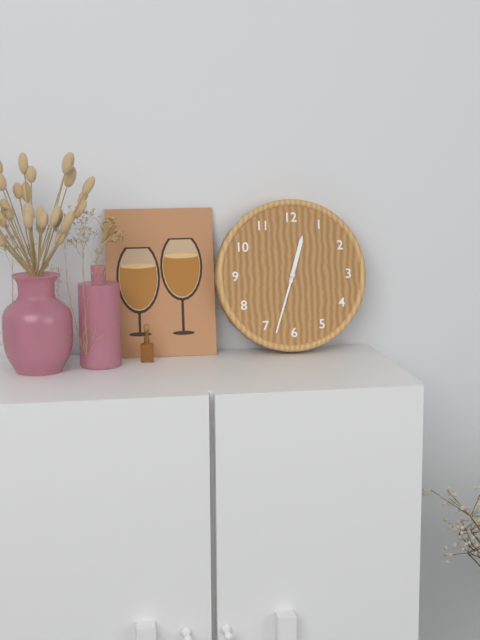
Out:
h=12 m=33
